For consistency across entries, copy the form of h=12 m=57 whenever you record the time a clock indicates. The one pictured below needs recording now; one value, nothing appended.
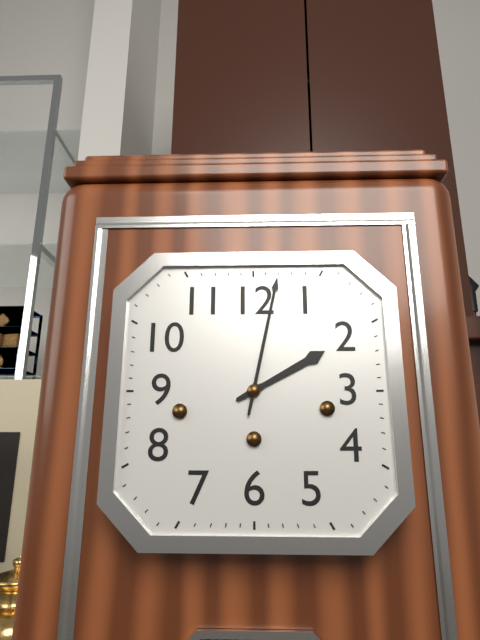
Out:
h=2 m=2
